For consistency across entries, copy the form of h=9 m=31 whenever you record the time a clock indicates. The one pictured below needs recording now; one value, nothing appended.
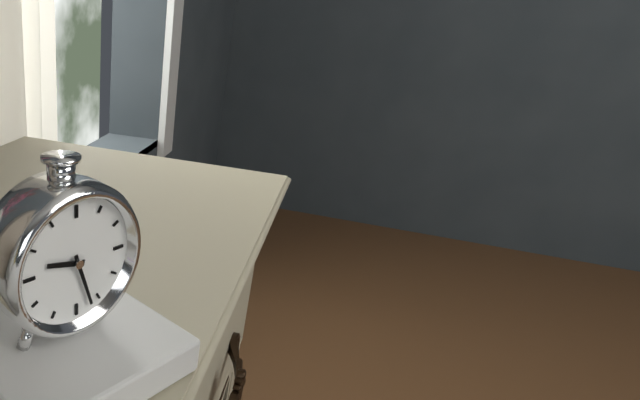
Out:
h=9 m=27
